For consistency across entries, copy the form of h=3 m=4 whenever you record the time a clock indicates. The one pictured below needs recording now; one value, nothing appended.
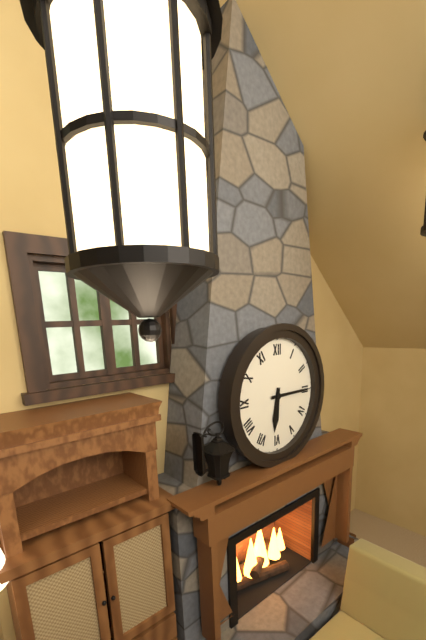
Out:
h=6 m=15
